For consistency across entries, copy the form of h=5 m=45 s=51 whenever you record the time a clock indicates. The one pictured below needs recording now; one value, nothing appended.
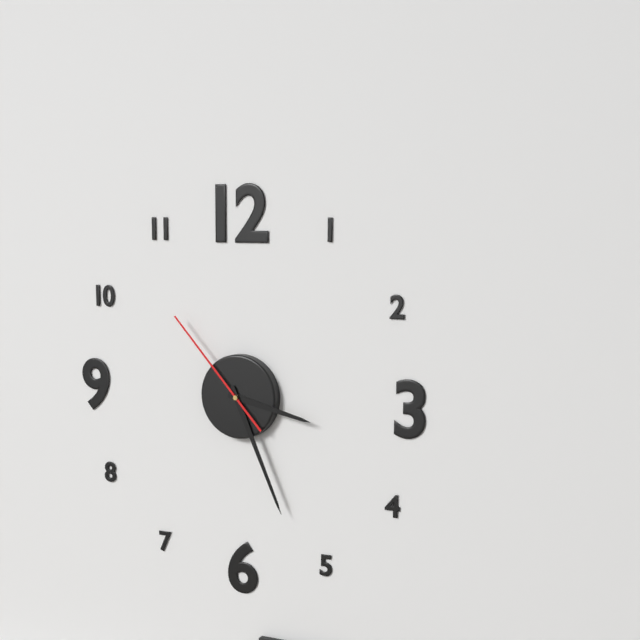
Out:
h=3 m=26 s=53
